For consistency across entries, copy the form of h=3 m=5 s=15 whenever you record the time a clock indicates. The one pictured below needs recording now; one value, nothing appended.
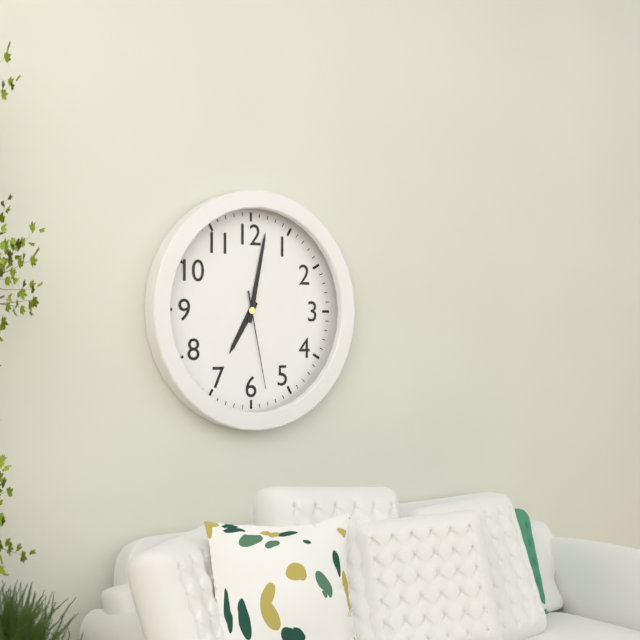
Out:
h=7 m=2 s=28
